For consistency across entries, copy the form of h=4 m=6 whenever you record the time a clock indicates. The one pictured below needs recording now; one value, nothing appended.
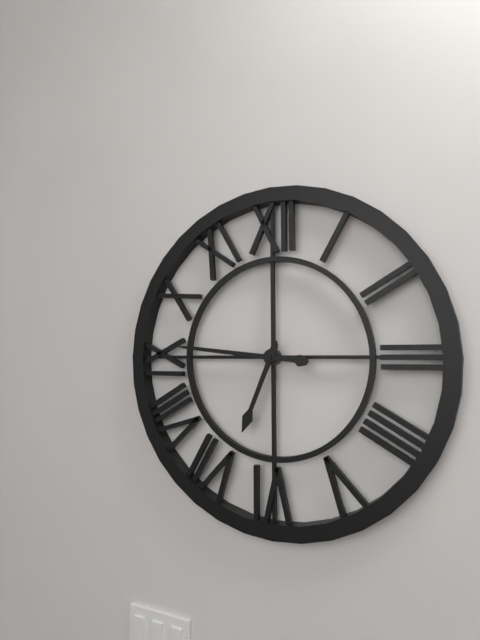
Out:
h=6 m=46
